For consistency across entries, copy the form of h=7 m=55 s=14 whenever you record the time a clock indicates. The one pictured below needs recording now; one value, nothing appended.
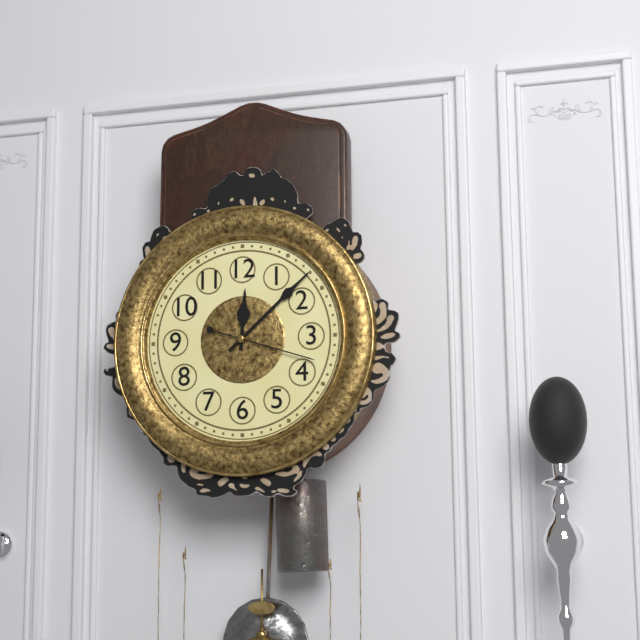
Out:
h=12 m=8 s=18
